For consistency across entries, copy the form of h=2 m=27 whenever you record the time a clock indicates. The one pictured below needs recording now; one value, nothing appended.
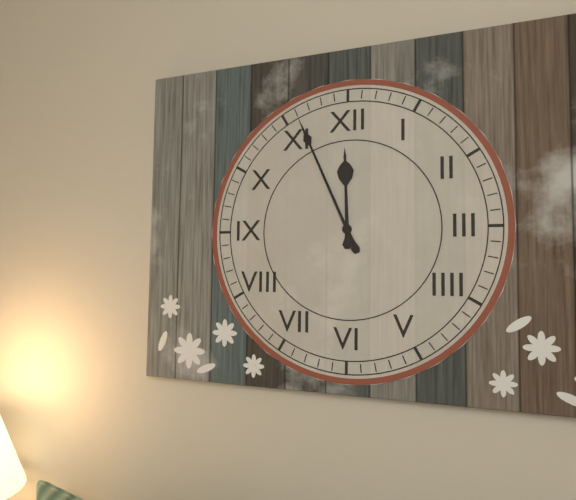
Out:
h=11 m=56
